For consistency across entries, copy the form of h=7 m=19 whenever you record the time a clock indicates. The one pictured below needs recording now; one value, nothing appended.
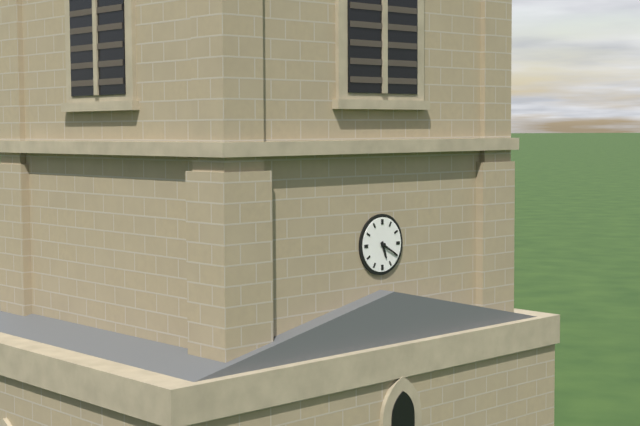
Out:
h=5 m=20
